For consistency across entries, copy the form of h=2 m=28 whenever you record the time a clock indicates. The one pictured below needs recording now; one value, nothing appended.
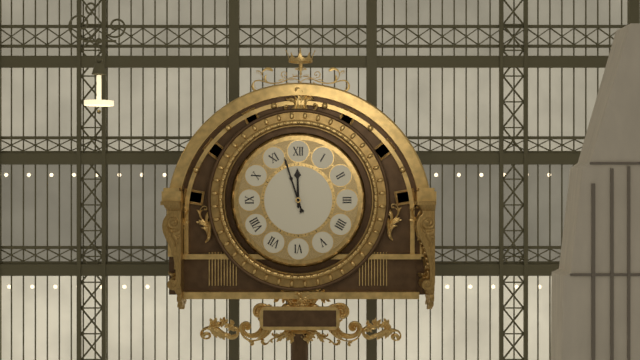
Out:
h=11 m=57
